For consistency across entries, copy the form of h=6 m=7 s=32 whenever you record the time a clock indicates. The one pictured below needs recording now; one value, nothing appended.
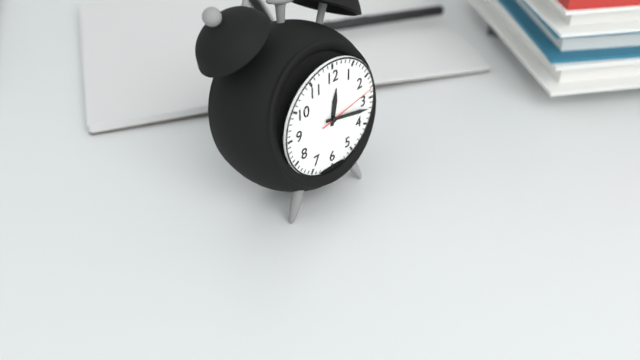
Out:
h=12 m=17 s=13
